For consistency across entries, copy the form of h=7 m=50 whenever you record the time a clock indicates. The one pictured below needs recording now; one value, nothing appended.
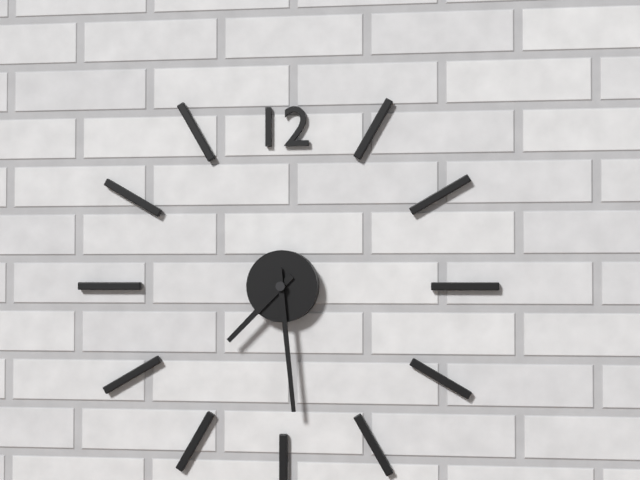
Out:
h=7 m=29
